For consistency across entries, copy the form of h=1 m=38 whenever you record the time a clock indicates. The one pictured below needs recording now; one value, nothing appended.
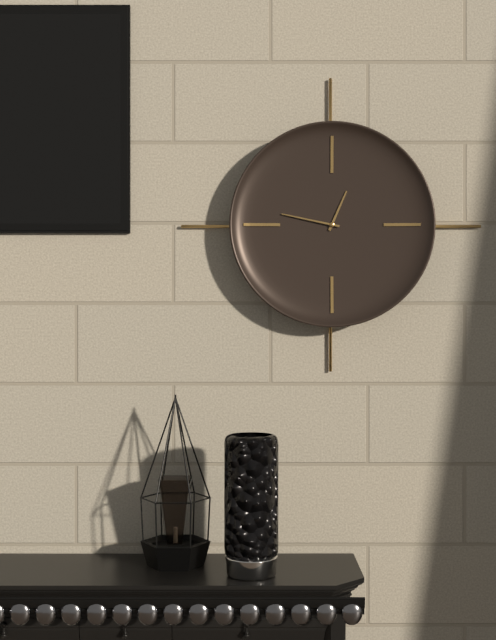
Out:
h=12 m=47
